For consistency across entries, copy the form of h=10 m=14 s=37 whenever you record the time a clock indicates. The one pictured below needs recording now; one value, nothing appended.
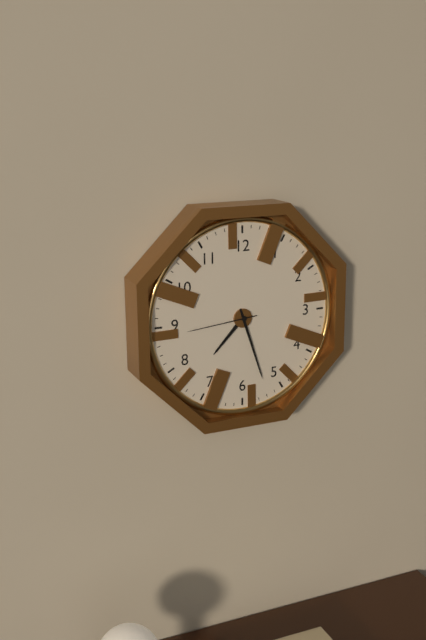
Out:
h=7 m=27 s=44
